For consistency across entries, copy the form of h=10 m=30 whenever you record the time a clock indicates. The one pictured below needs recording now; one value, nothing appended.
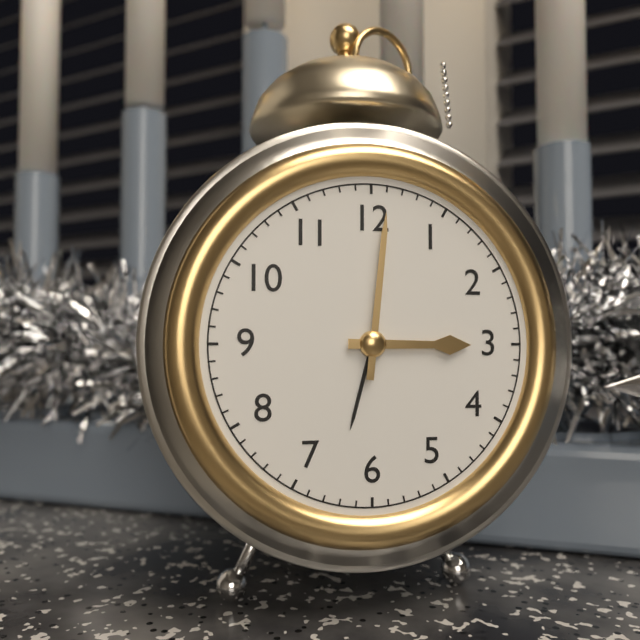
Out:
h=3 m=1
